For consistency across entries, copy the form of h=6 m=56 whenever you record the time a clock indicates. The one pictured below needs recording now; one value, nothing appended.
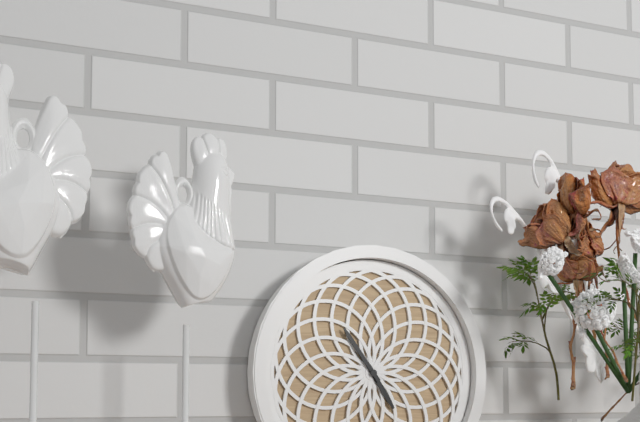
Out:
h=4 m=54
